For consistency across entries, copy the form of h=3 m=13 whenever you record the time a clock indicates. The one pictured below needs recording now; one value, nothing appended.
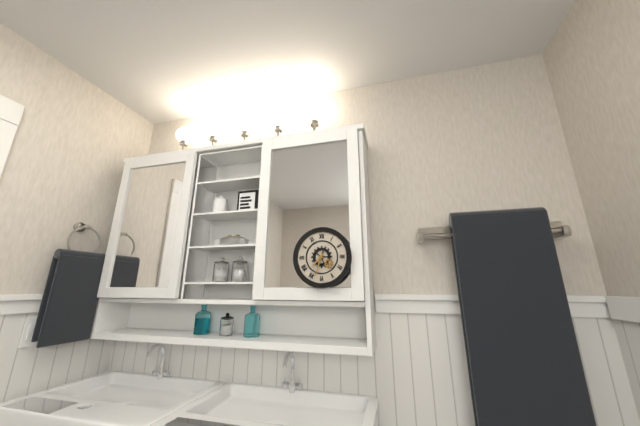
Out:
h=7 m=33
